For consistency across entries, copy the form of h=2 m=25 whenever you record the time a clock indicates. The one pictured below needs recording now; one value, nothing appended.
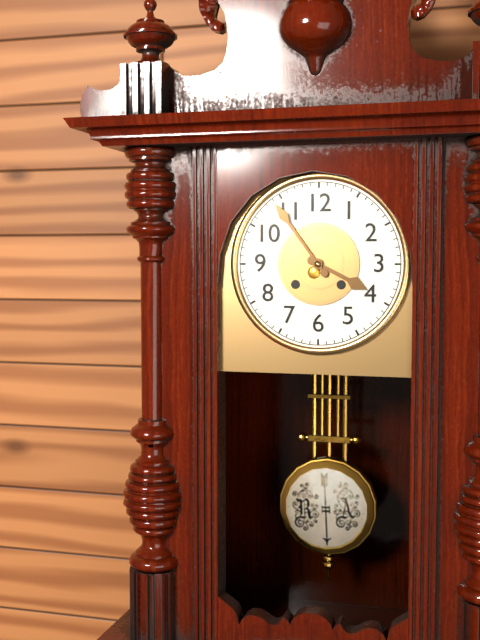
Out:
h=3 m=54
